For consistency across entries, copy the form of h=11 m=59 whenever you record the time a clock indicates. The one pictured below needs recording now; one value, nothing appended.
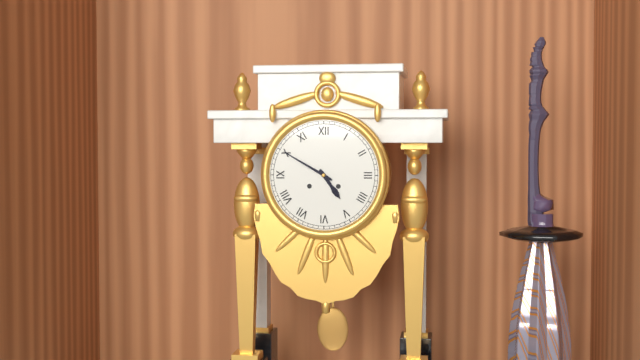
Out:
h=4 m=50
